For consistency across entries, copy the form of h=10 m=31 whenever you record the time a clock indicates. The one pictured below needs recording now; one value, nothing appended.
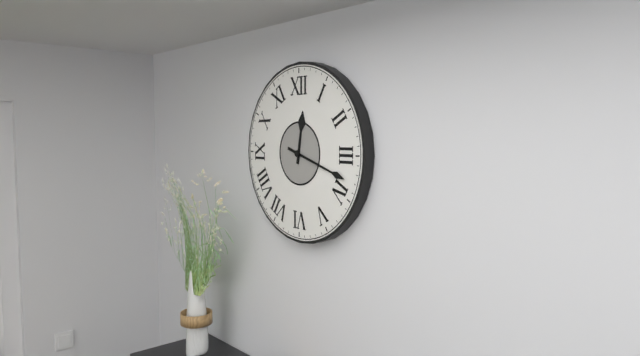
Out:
h=12 m=18
